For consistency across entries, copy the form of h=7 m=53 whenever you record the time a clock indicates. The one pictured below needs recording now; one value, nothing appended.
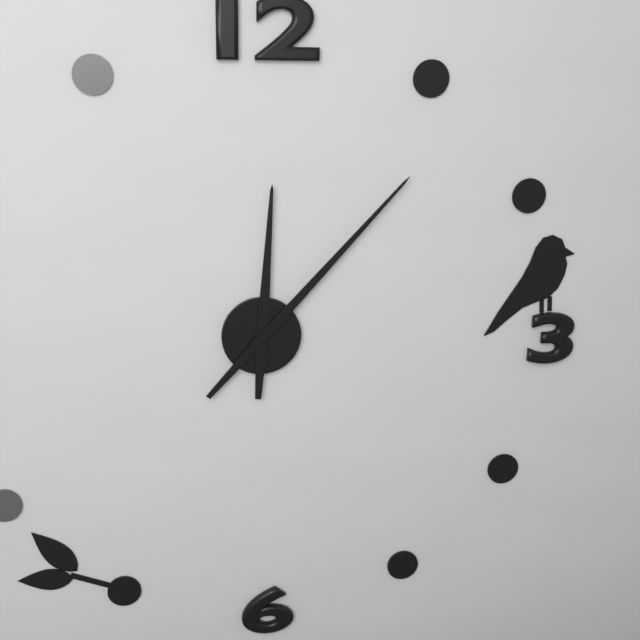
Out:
h=12 m=7
